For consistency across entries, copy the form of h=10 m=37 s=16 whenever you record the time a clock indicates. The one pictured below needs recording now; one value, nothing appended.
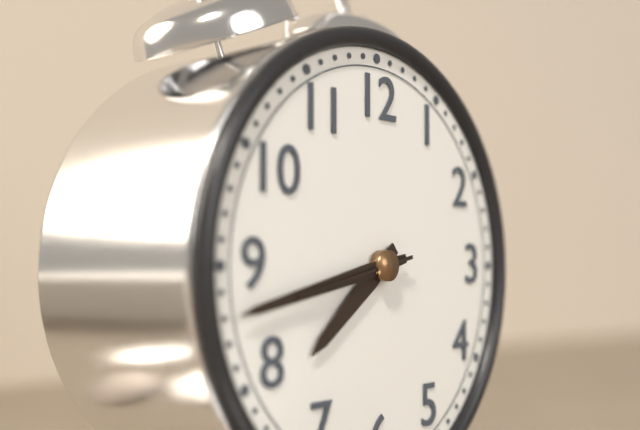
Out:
h=7 m=43 s=43
